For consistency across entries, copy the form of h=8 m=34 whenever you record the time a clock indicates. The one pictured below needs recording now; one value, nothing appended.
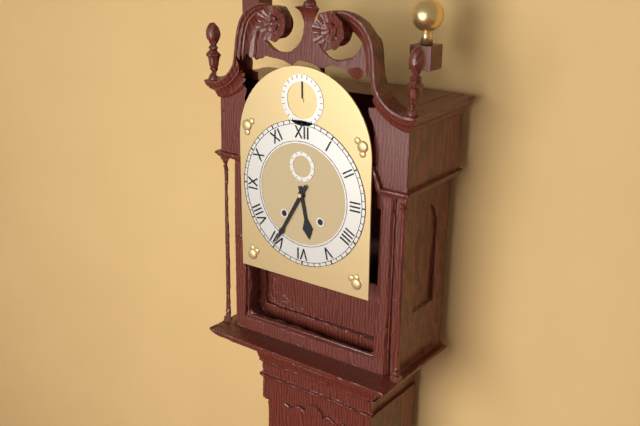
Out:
h=5 m=35
